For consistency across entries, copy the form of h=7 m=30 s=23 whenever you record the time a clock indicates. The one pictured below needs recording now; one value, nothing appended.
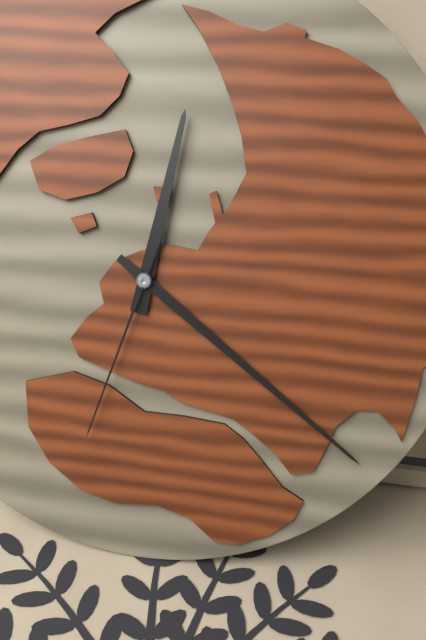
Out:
h=12 m=21 s=33
